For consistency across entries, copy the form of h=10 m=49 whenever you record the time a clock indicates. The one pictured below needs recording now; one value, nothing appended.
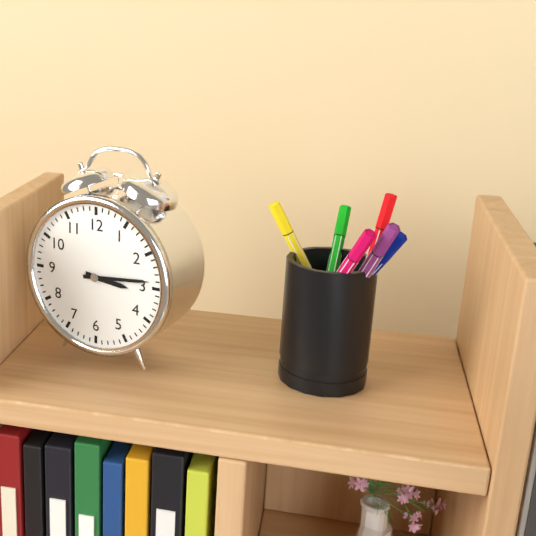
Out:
h=3 m=14
